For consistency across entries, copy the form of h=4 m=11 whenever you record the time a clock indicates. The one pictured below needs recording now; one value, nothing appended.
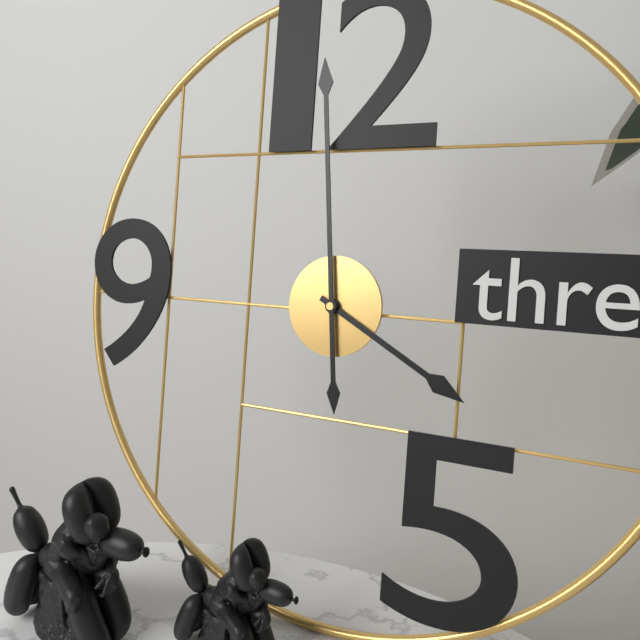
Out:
h=3 m=59
